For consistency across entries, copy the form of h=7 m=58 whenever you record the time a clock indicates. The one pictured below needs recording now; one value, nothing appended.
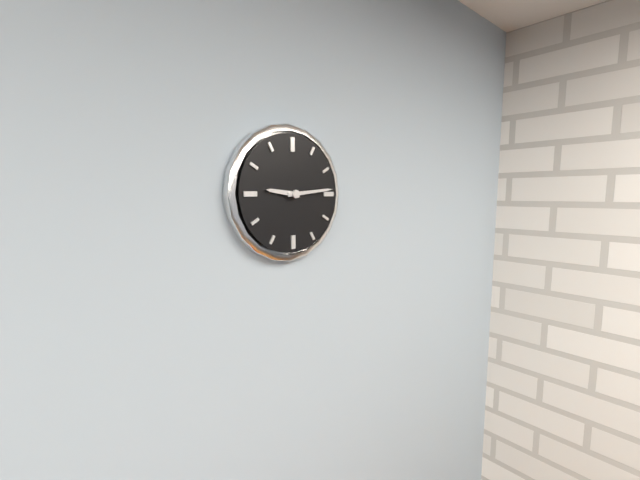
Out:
h=9 m=14
